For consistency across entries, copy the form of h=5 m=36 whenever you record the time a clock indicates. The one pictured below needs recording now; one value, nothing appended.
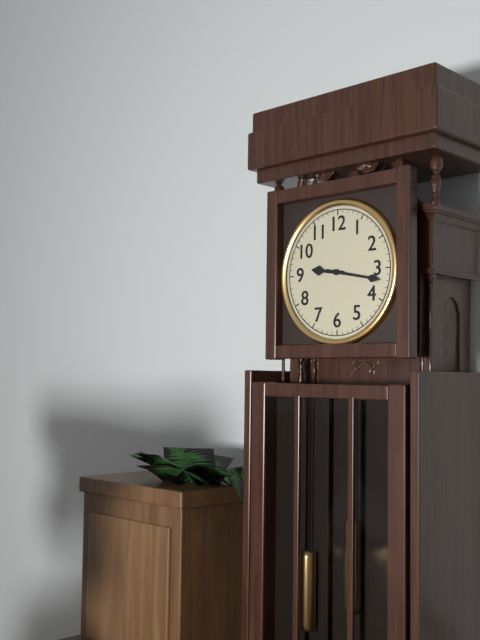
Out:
h=9 m=17
